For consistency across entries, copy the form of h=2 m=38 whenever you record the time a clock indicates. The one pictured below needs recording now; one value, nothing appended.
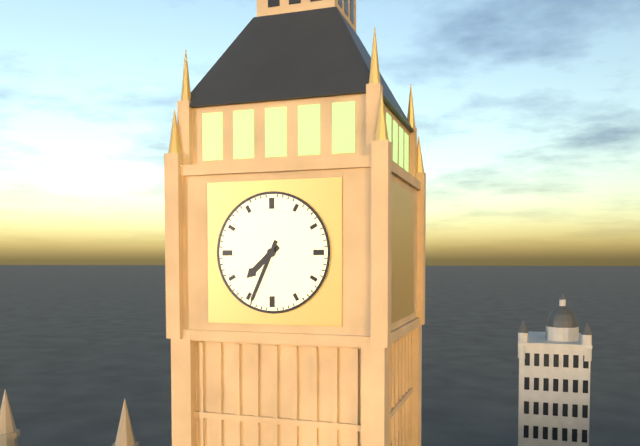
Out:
h=7 m=34
